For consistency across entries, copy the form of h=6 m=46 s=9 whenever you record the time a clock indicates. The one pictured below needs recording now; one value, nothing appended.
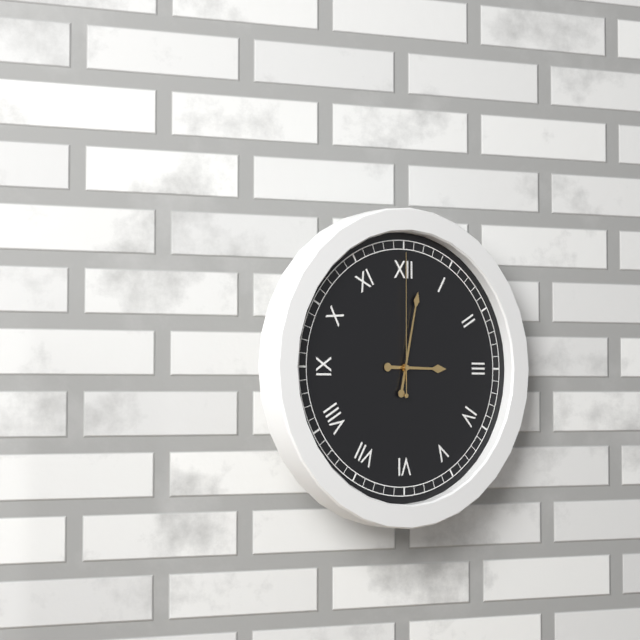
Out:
h=3 m=2 s=0
